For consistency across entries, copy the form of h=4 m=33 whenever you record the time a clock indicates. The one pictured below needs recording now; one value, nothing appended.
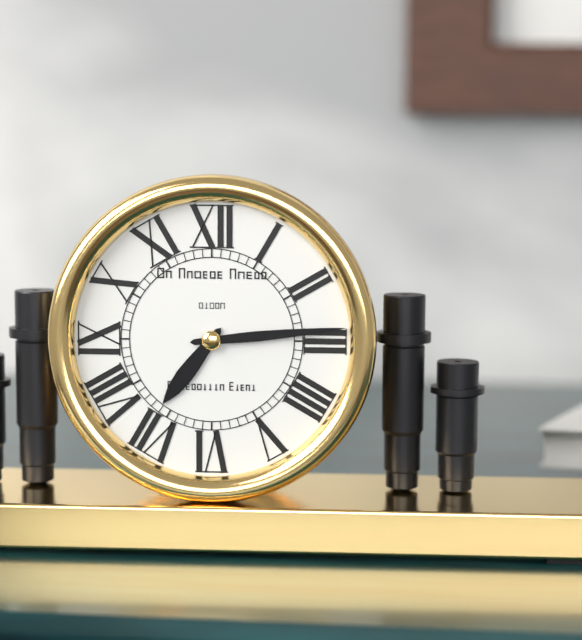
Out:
h=7 m=14
